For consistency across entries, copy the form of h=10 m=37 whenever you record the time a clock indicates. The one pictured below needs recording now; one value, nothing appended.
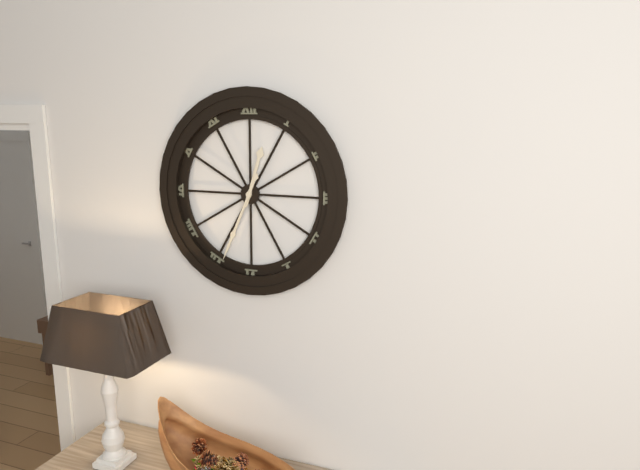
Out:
h=12 m=34
